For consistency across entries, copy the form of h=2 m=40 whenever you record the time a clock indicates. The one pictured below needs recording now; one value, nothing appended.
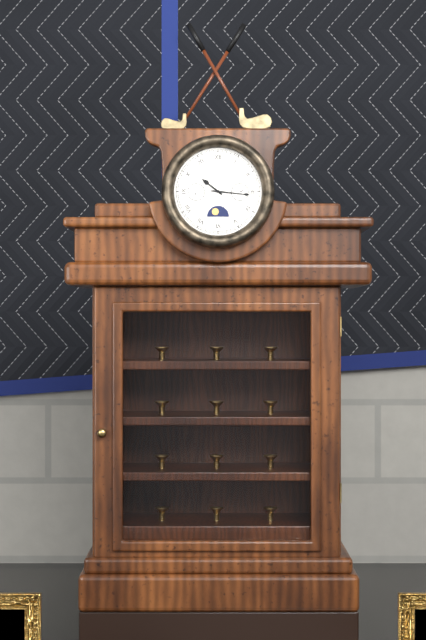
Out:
h=10 m=16
